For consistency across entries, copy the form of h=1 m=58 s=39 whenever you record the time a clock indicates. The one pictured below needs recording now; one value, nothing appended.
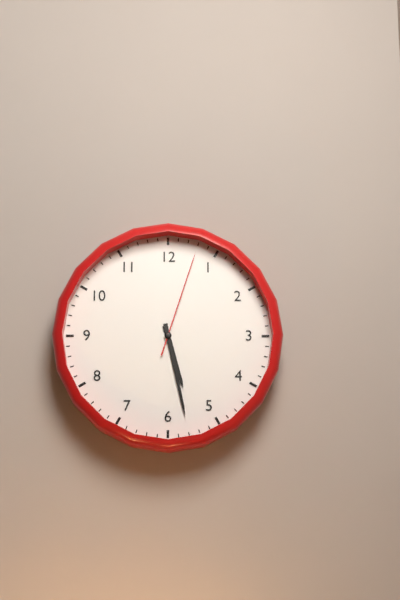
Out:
h=5 m=28 s=3
